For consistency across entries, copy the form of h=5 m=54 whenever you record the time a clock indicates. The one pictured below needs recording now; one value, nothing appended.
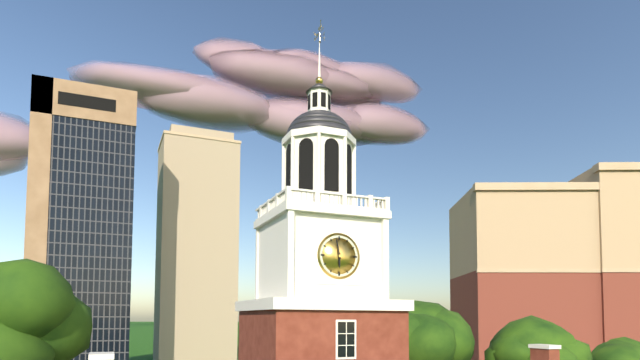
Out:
h=5 m=58
